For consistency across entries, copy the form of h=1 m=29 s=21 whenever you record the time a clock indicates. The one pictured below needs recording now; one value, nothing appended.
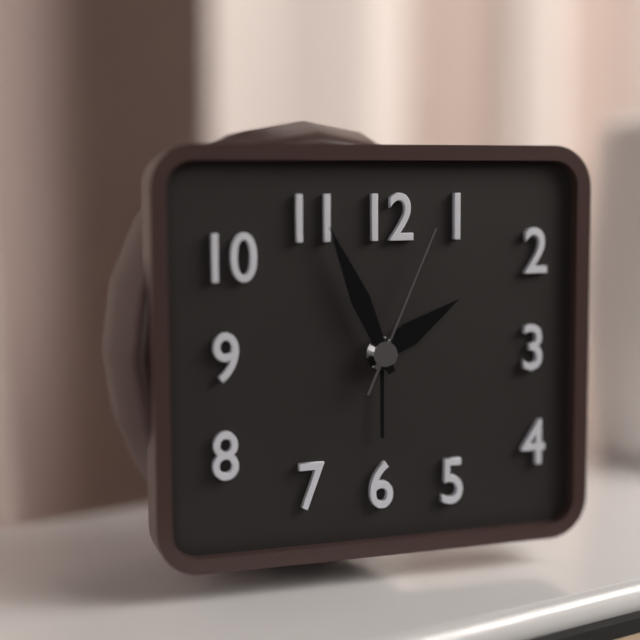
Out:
h=1 m=56 s=4
